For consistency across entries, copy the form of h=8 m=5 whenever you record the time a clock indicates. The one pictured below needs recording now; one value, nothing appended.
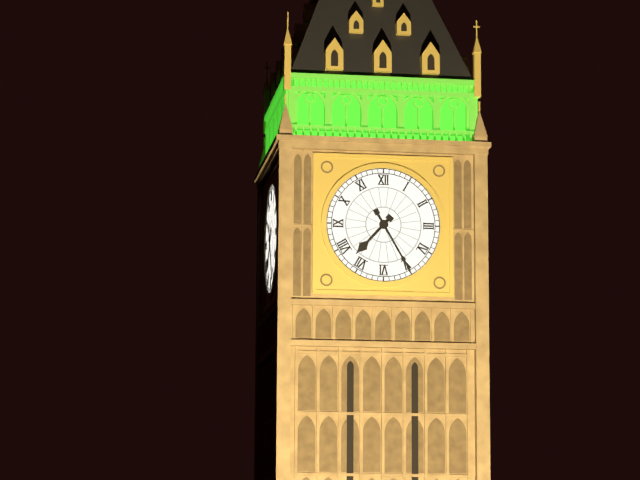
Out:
h=7 m=25
